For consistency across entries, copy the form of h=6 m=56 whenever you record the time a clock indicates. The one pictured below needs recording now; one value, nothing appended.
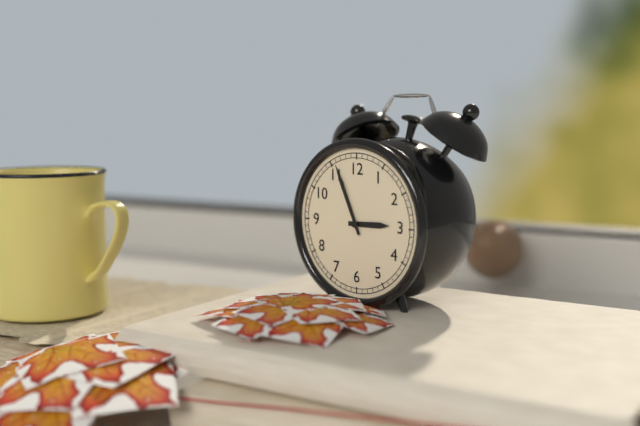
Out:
h=2 m=56
